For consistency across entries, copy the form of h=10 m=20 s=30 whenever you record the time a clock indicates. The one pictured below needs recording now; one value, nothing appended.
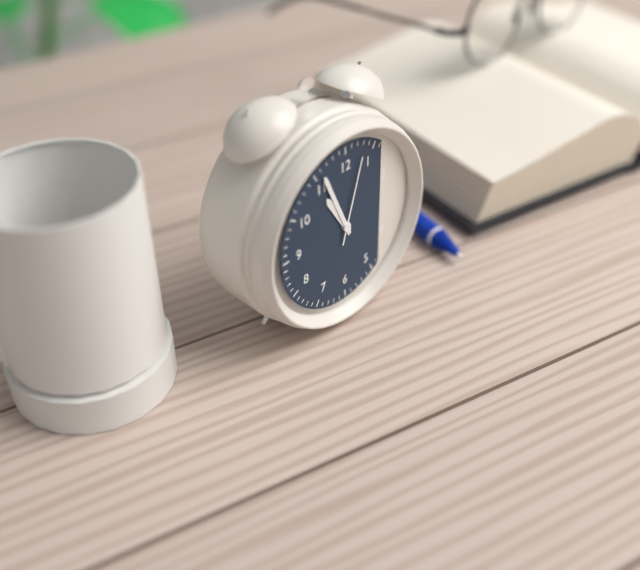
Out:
h=10 m=56 s=3
